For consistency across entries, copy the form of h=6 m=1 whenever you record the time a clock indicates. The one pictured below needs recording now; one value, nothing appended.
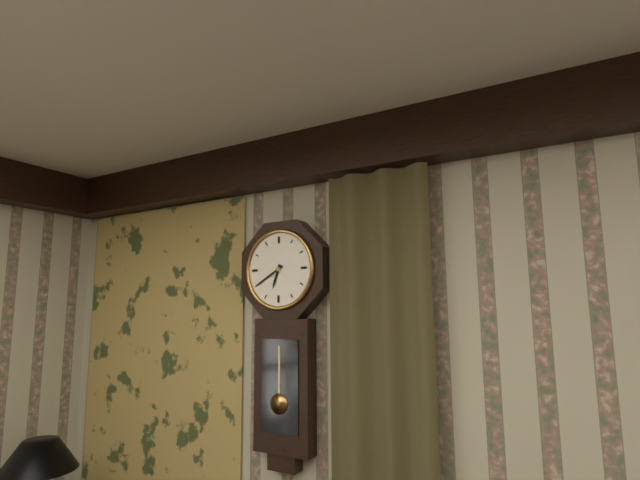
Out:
h=6 m=40
